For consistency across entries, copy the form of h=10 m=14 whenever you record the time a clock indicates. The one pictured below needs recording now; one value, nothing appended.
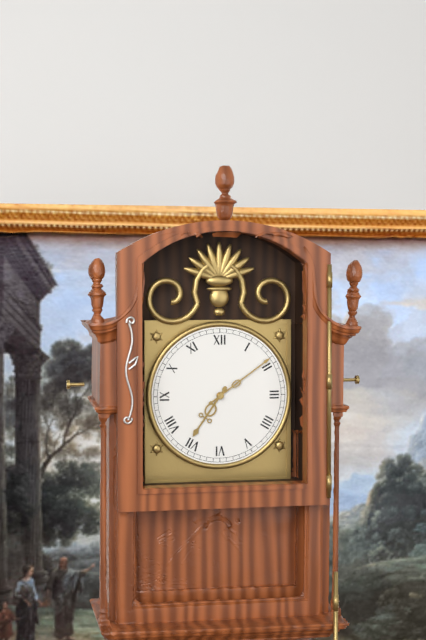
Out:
h=7 m=9
